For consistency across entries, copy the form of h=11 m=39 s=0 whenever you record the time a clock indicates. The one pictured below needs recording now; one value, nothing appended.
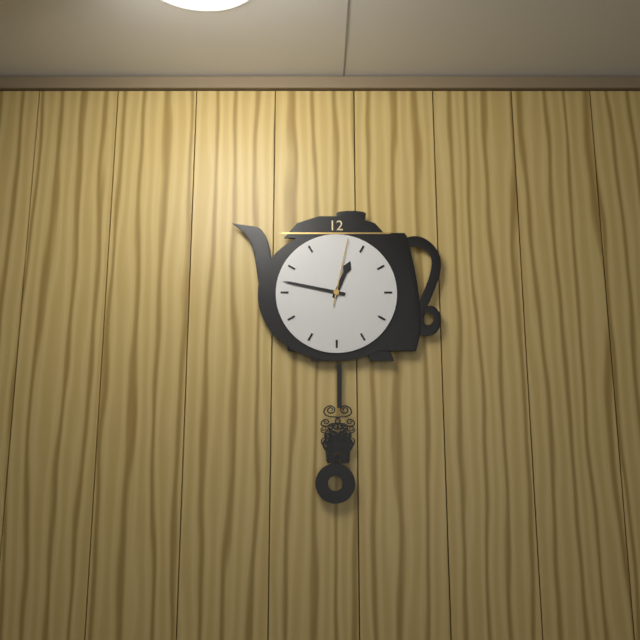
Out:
h=12 m=47 s=2
